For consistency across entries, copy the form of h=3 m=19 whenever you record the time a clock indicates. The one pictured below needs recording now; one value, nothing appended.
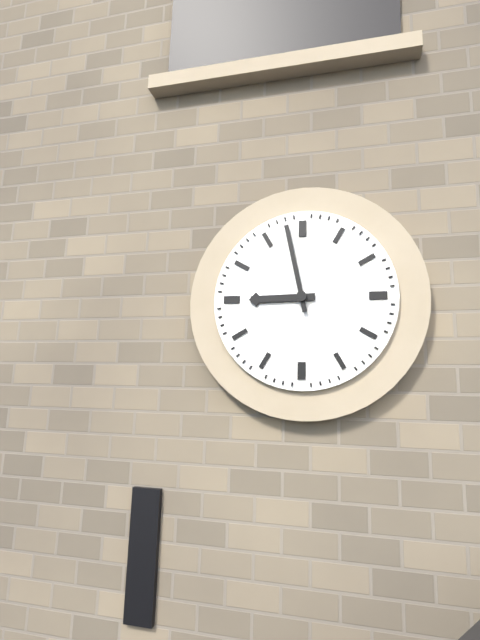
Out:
h=8 m=58
